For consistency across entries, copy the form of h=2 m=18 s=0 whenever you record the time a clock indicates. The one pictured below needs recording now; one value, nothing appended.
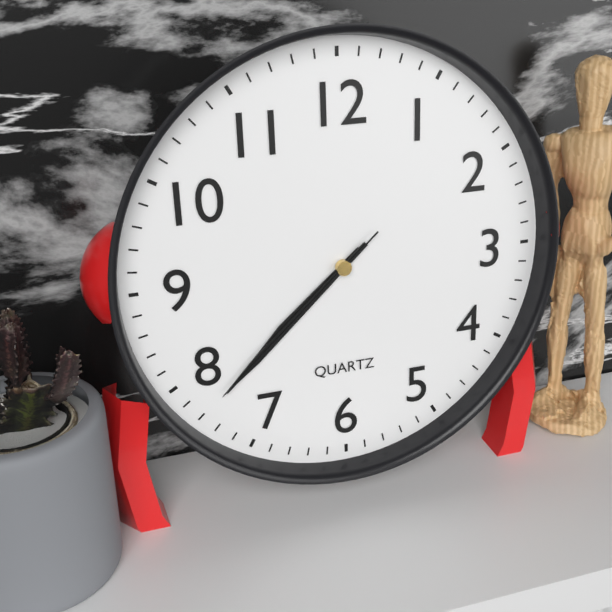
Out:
h=7 m=38 s=38
